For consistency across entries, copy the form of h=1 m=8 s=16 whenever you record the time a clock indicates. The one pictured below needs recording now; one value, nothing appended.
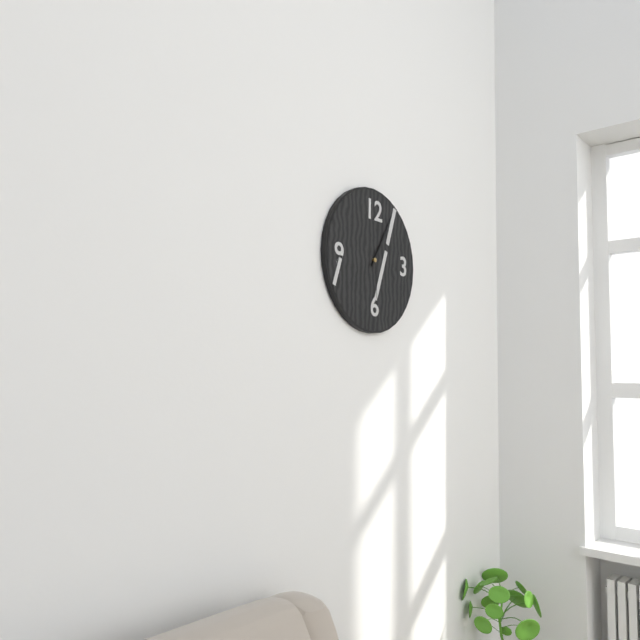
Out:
h=1 m=5 s=29
